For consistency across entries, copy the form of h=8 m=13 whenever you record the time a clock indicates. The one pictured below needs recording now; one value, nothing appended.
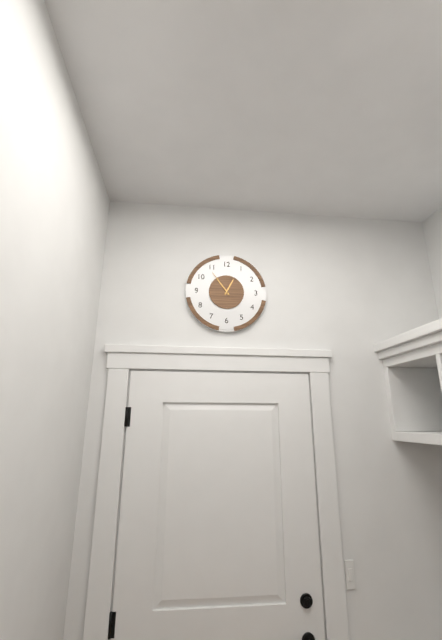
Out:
h=12 m=54
